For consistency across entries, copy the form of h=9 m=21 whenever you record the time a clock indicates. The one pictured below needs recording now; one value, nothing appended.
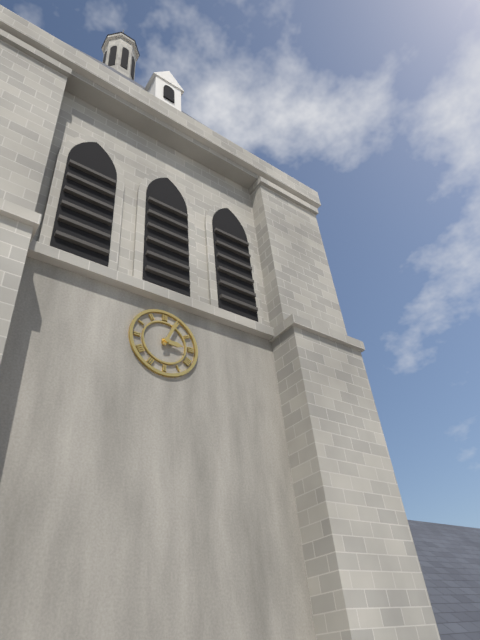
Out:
h=3 m=4
